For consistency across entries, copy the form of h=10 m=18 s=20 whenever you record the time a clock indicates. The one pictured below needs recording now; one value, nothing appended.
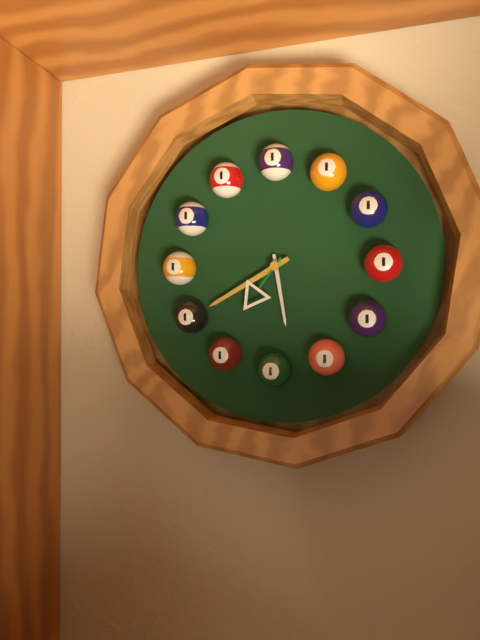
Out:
h=5 m=40 s=36
